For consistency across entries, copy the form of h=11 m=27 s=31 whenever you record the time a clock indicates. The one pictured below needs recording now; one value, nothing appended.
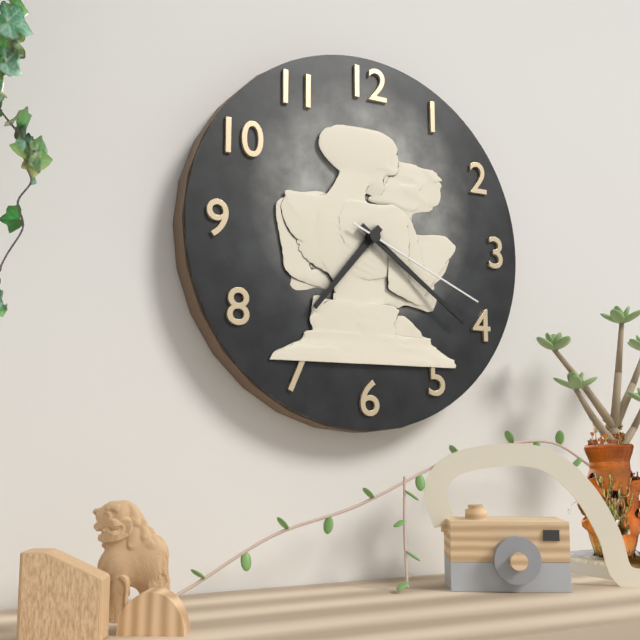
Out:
h=7 m=21 s=19
